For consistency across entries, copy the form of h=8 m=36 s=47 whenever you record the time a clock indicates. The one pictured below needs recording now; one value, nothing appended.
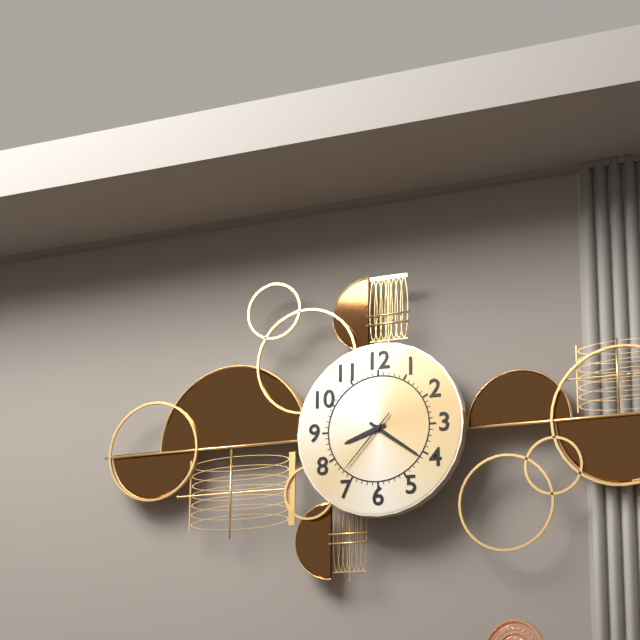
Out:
h=8 m=21 s=37
